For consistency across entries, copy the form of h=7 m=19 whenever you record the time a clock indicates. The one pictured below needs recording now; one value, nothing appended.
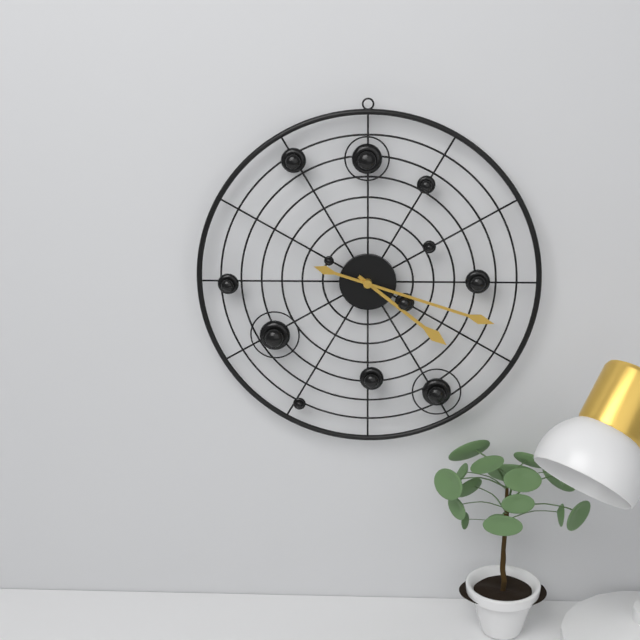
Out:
h=4 m=18
